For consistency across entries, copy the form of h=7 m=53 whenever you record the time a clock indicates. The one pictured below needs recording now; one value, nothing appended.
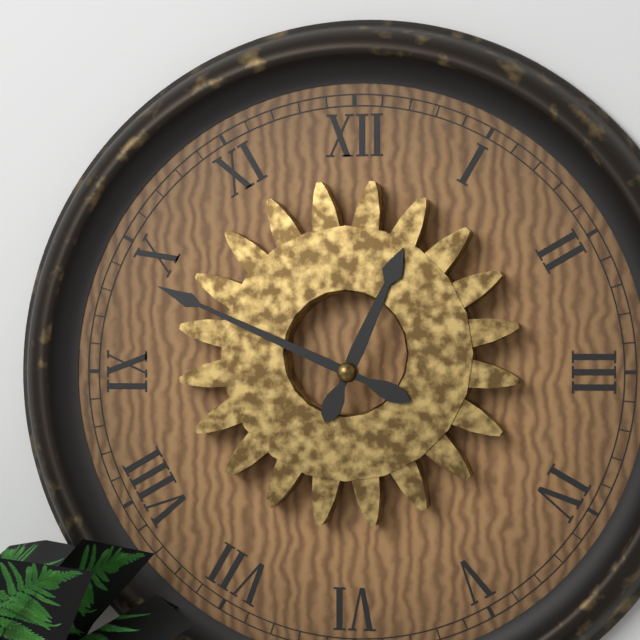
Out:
h=12 m=49
